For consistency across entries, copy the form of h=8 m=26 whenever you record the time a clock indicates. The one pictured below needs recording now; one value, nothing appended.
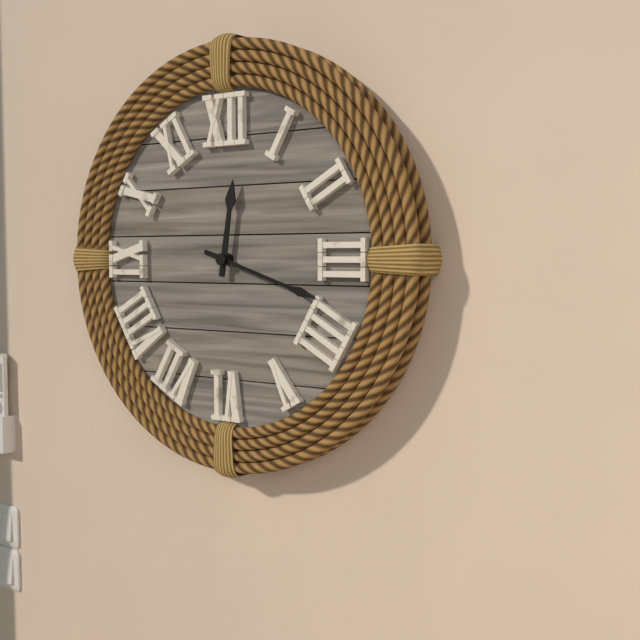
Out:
h=12 m=18
